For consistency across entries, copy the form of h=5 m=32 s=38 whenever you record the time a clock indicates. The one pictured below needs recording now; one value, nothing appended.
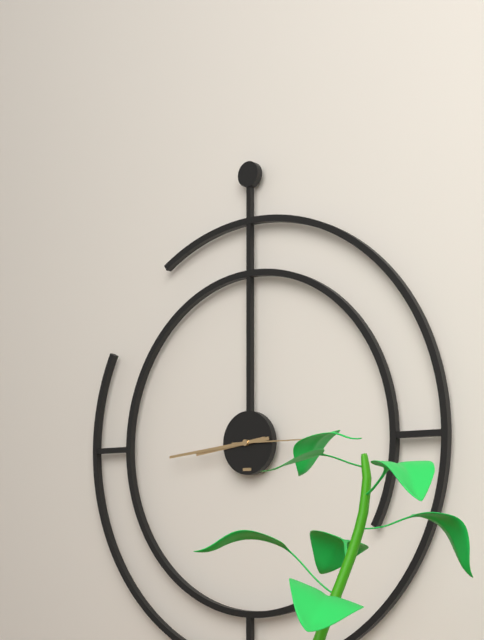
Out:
h=8 m=44 s=15
